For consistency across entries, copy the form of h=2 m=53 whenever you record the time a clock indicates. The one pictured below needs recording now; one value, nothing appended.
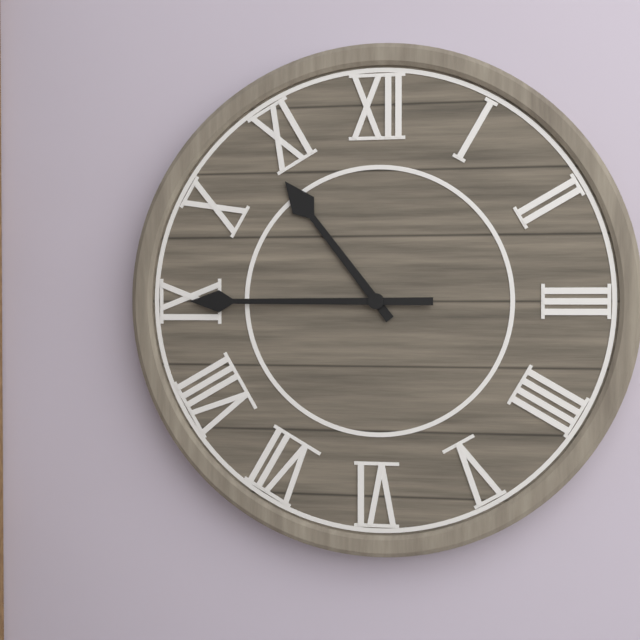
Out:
h=10 m=45
